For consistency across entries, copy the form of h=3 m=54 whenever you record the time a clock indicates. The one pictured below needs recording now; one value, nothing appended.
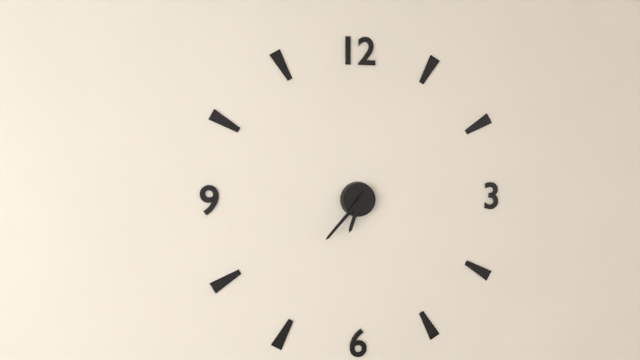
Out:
h=6 m=37
